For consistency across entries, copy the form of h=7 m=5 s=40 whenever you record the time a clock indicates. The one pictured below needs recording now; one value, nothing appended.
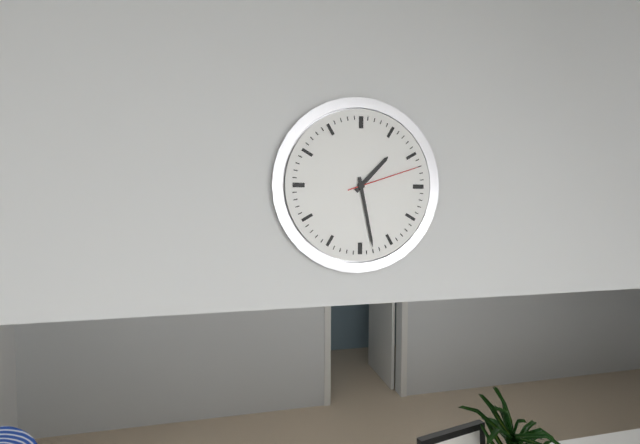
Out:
h=1 m=28 s=12
